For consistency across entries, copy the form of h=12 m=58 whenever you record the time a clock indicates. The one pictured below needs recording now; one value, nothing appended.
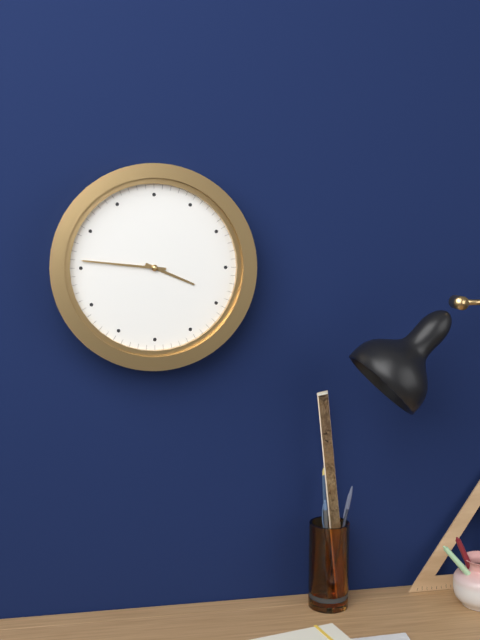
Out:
h=3 m=46
